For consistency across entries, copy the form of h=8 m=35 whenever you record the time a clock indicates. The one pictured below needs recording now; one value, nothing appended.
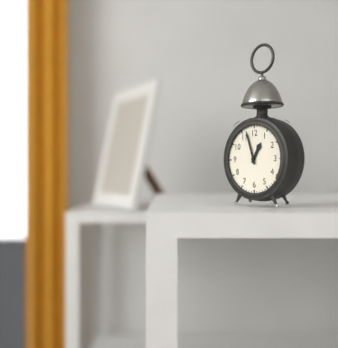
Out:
h=12 m=57
